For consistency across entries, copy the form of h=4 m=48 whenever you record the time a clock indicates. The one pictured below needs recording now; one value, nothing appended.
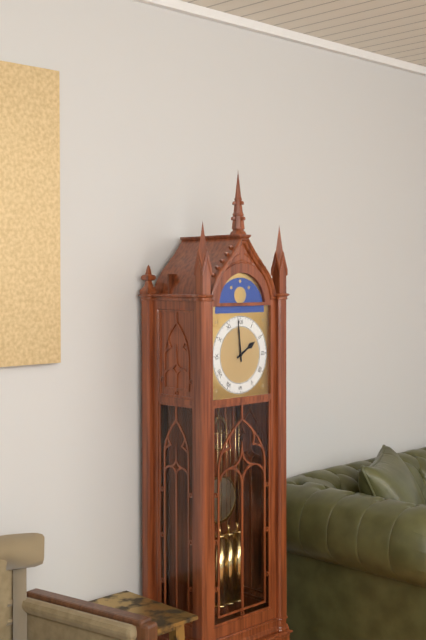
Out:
h=1 m=59
